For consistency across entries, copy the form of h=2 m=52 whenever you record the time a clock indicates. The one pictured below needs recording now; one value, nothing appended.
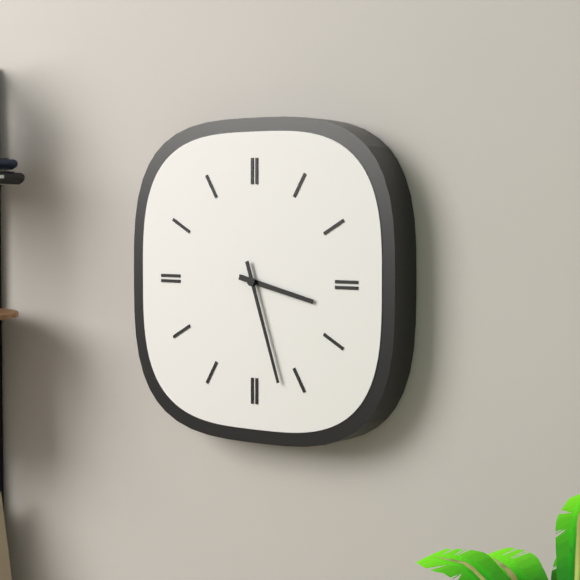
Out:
h=3 m=27
